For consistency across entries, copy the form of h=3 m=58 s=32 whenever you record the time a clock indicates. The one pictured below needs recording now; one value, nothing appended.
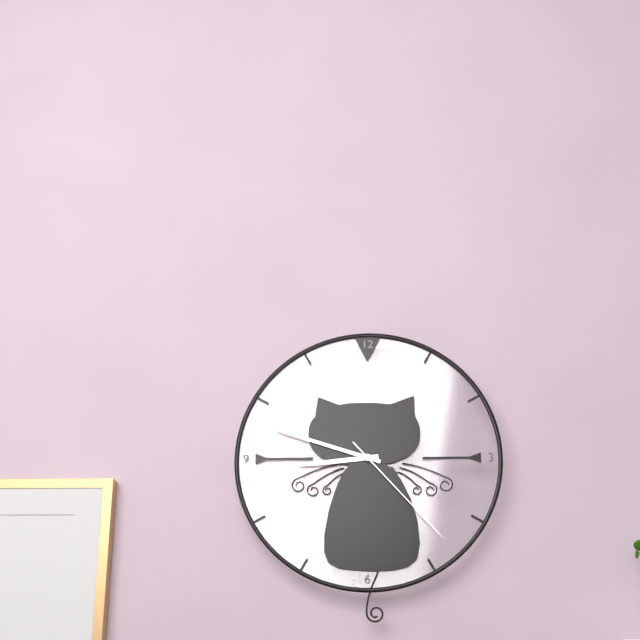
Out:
h=8 m=48 s=23
